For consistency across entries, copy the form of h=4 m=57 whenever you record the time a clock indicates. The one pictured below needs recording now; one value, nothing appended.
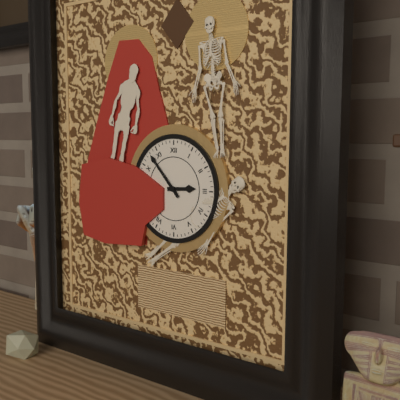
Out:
h=2 m=53
